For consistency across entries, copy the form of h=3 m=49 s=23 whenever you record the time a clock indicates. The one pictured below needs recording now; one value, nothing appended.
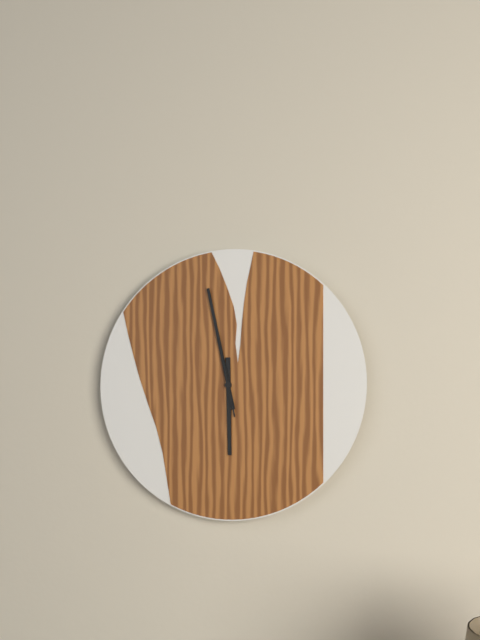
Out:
h=5 m=58 s=58
